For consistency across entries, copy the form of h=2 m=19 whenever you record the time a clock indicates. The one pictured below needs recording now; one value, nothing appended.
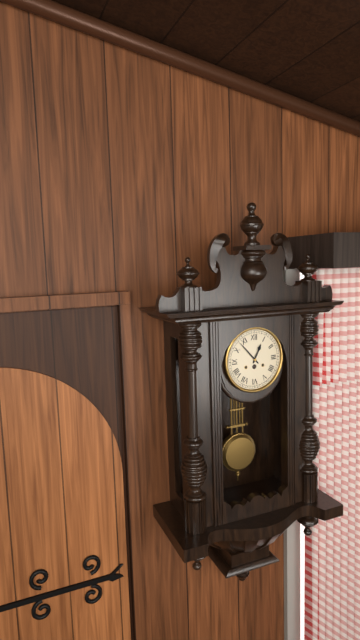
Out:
h=12 m=53
